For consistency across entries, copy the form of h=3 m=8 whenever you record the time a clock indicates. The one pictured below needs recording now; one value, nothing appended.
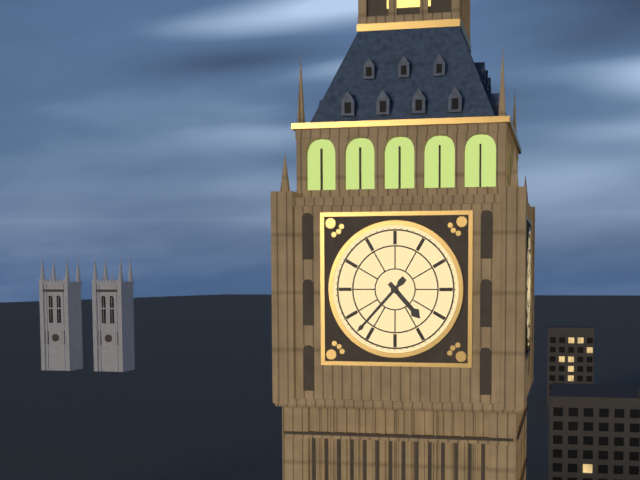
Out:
h=4 m=37
